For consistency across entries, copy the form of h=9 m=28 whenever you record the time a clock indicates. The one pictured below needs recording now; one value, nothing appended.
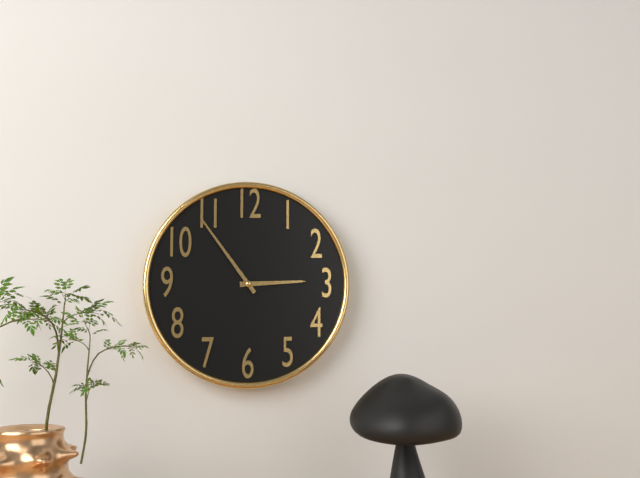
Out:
h=2 m=54
